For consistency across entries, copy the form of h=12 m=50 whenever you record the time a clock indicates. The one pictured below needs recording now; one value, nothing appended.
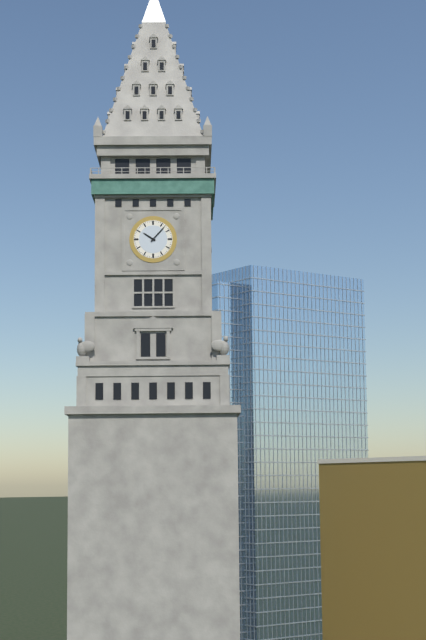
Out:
h=10 m=7
